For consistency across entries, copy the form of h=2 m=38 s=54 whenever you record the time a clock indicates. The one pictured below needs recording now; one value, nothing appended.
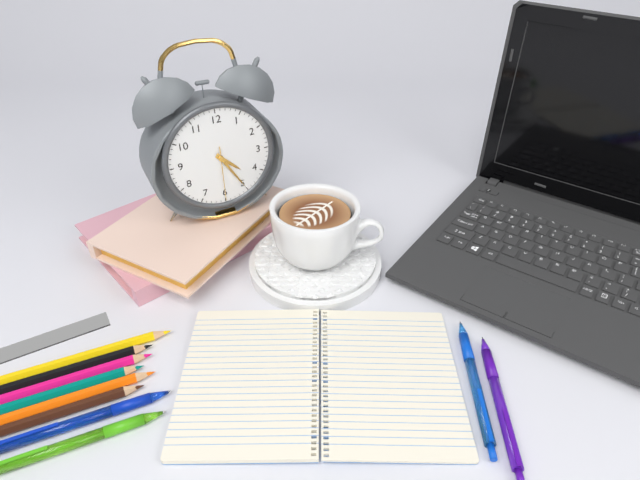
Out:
h=4 m=25 s=30
